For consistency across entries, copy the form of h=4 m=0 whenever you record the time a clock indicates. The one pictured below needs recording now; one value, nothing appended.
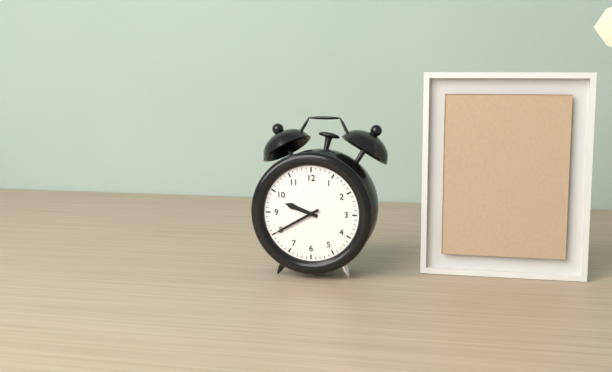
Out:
h=9 m=40
